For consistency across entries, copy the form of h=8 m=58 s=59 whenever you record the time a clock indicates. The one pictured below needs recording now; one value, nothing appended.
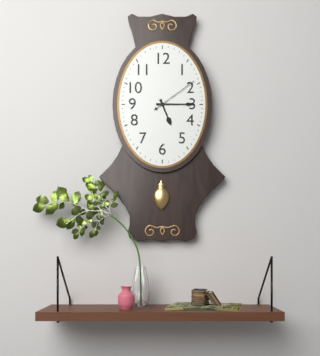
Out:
h=5 m=15 s=9
